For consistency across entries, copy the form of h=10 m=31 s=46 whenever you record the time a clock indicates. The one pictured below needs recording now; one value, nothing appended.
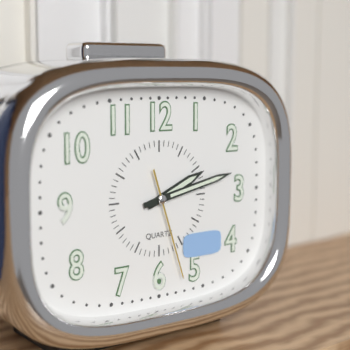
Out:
h=2 m=13 s=27
